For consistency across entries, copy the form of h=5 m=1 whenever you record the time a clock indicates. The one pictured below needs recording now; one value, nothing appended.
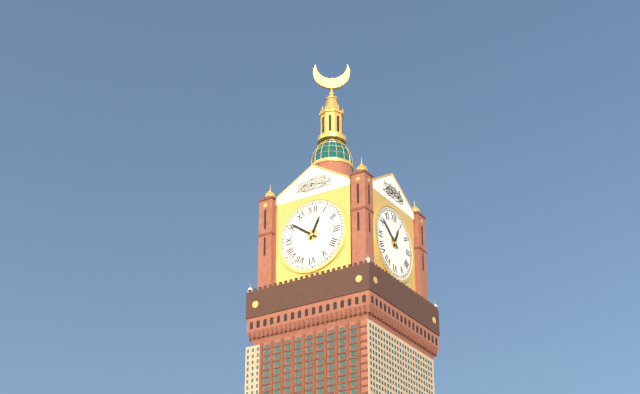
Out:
h=12 m=51
